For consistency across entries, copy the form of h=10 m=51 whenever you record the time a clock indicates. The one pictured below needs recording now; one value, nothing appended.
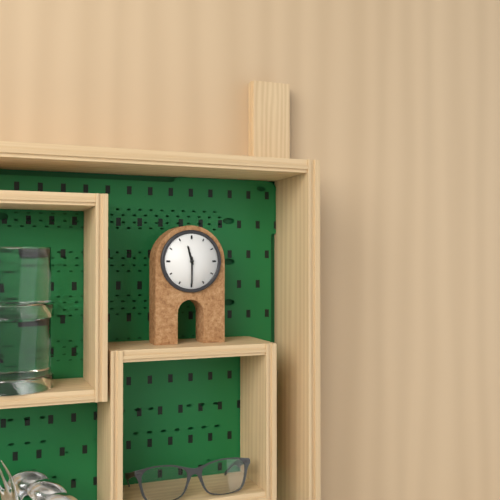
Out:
h=11 m=30
